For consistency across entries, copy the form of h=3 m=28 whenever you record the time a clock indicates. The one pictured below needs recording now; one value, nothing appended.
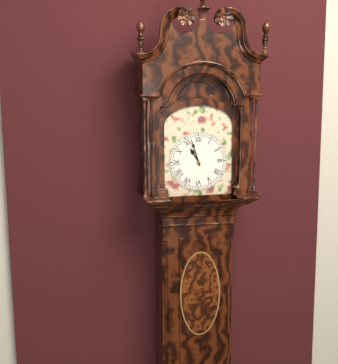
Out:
h=10 m=57
